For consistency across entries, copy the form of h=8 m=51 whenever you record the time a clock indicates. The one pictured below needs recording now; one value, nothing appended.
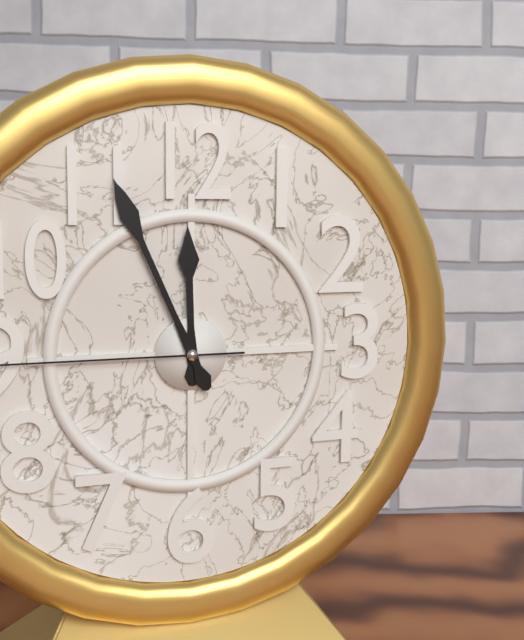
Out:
h=11 m=56
